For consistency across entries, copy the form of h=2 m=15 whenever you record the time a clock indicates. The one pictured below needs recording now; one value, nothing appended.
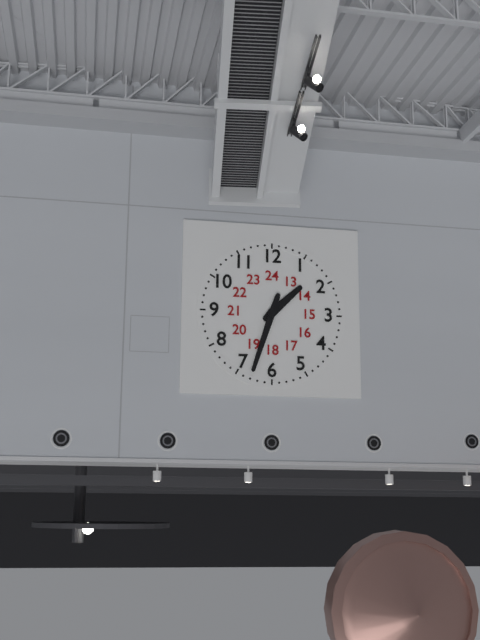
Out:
h=1 m=33
